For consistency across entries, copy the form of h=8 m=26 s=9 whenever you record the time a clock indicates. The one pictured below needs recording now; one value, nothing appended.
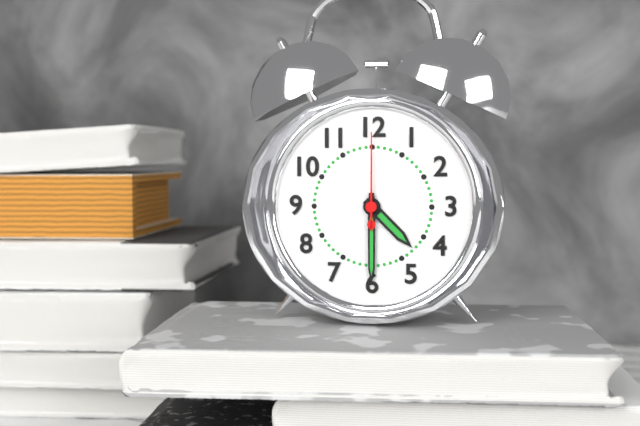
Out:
h=4 m=30 s=0
